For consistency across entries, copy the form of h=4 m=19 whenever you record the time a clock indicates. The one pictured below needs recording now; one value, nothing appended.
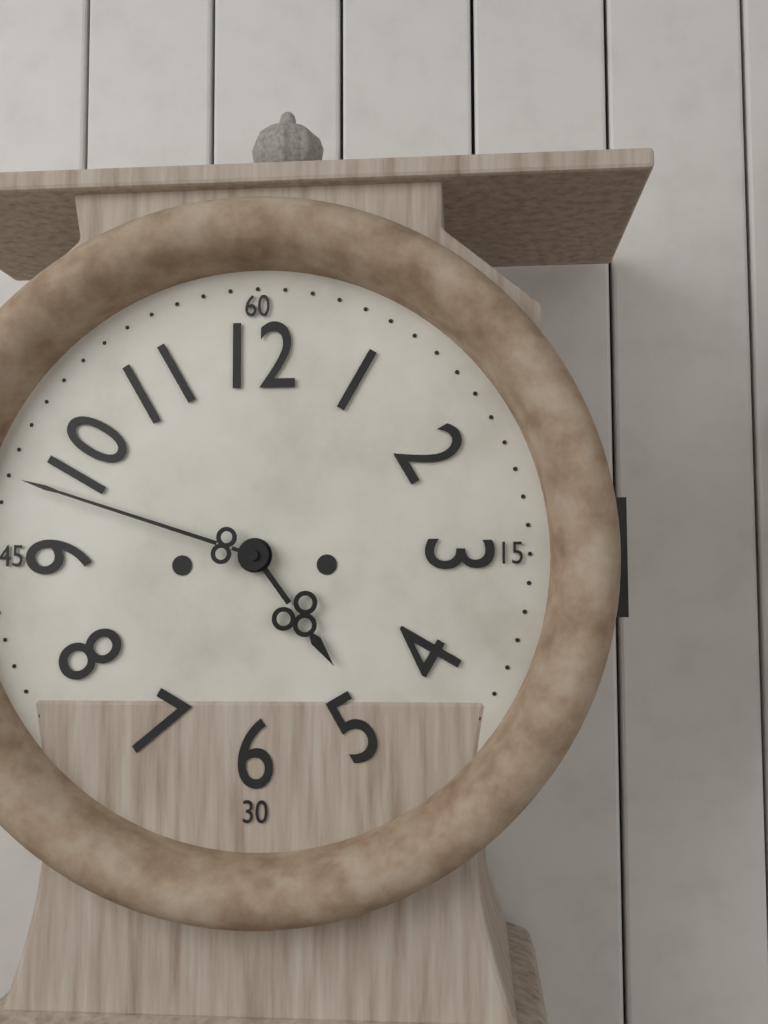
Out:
h=4 m=48
